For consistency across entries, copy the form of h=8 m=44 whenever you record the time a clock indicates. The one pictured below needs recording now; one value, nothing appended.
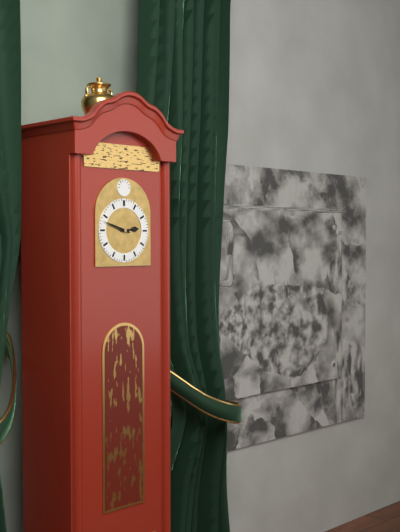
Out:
h=2 m=48
